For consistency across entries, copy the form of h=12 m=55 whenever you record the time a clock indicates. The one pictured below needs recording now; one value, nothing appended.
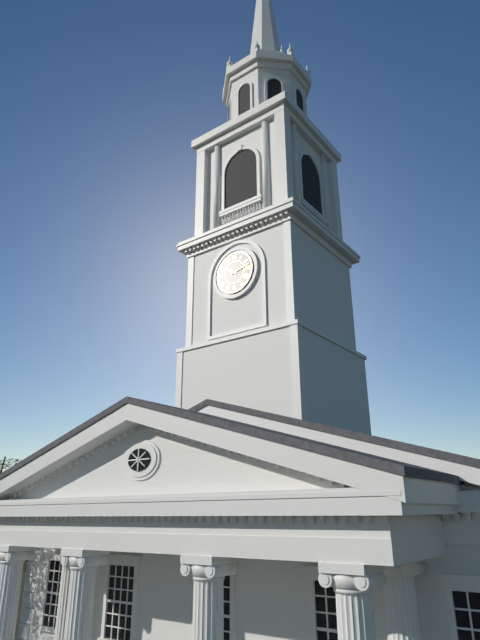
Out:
h=10 m=13
